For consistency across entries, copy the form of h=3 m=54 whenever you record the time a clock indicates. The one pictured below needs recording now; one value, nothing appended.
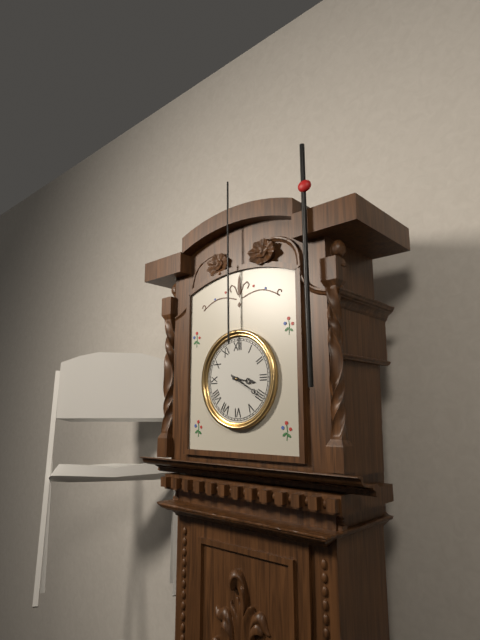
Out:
h=3 m=20
